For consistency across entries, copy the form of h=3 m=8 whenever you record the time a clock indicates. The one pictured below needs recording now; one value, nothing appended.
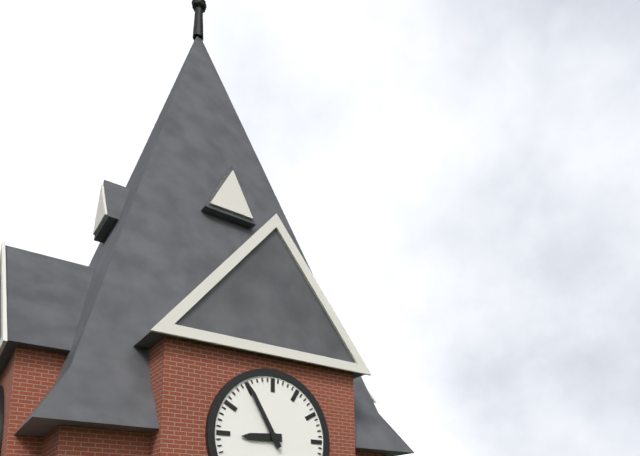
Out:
h=8 m=55
